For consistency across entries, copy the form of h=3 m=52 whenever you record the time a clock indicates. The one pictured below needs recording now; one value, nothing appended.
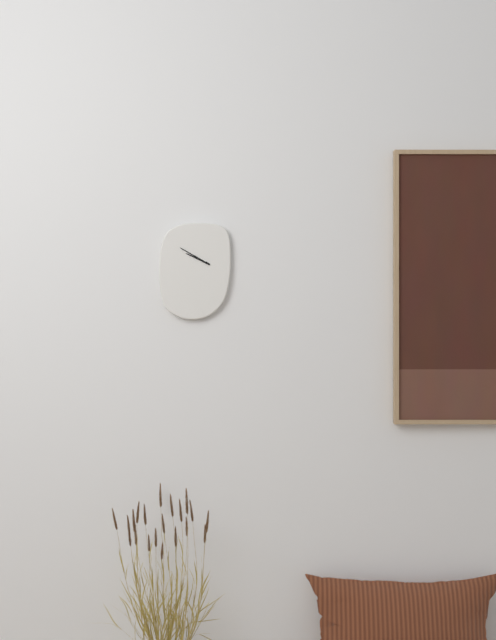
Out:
h=9 m=50
